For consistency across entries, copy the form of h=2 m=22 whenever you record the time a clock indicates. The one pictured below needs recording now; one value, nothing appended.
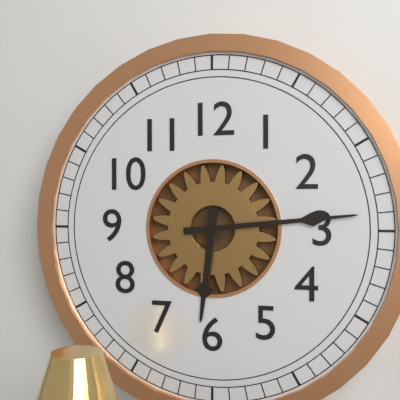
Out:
h=6 m=14
